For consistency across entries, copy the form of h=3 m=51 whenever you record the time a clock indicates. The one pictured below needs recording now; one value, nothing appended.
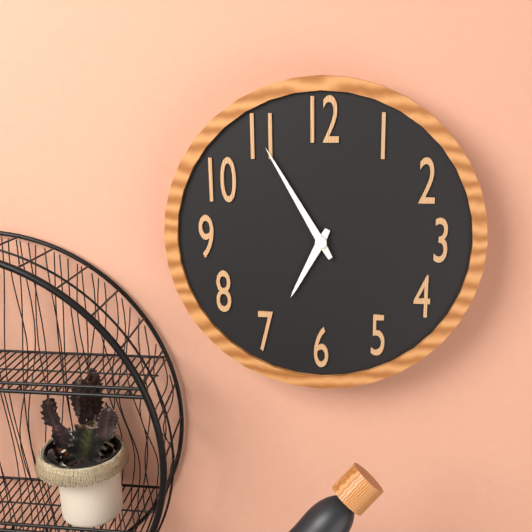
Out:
h=6 m=55
